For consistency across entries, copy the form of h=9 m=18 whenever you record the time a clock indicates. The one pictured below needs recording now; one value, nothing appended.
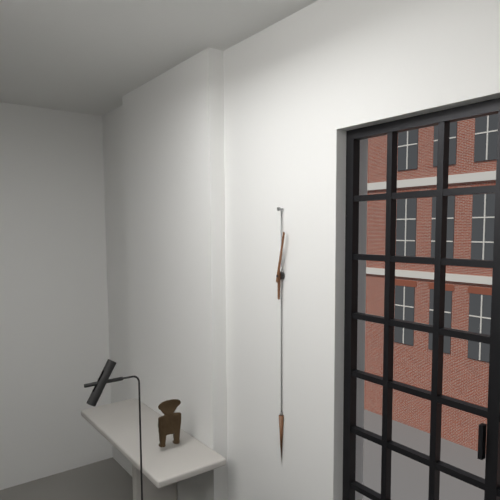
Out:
h=6 m=2
